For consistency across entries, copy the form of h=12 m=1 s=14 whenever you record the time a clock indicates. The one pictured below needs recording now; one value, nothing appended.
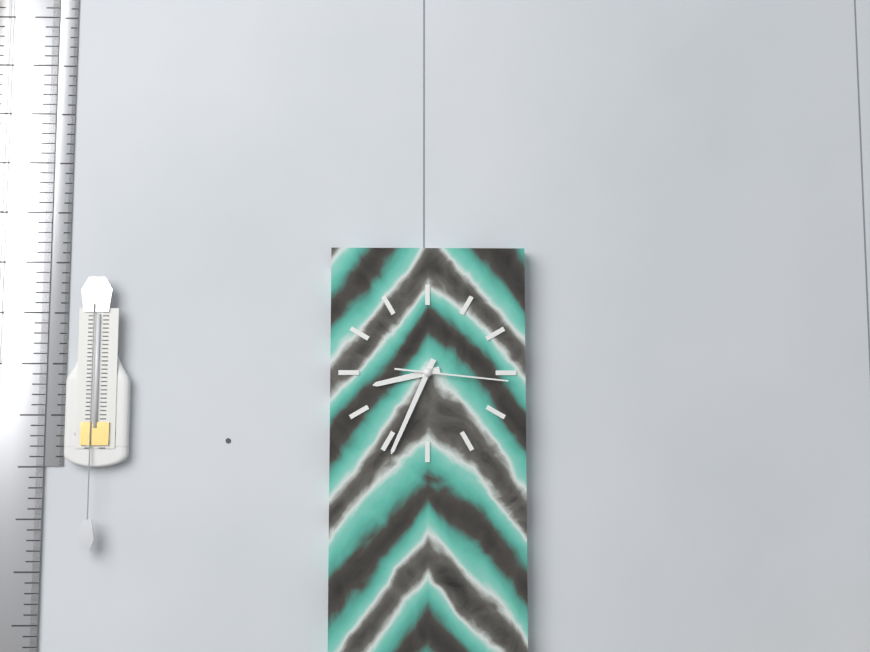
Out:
h=8 m=34 s=16
